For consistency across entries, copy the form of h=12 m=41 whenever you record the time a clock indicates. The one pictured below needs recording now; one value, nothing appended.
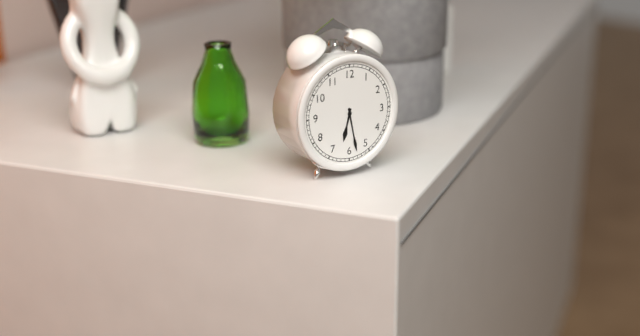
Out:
h=6 m=28
